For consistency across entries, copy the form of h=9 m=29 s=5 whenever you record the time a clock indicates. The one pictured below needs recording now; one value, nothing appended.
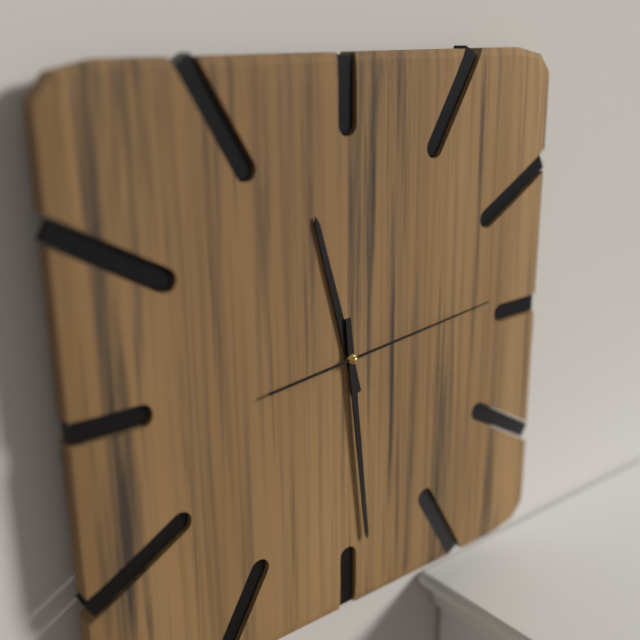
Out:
h=11 m=29 s=14
